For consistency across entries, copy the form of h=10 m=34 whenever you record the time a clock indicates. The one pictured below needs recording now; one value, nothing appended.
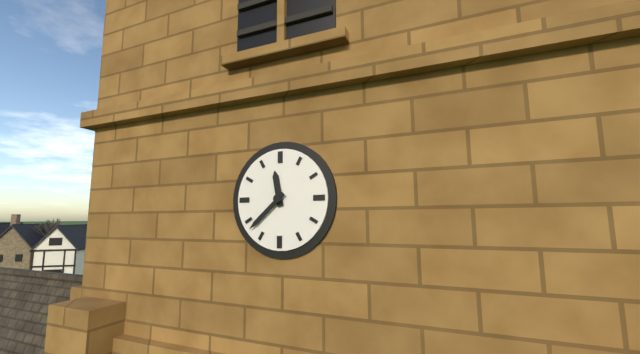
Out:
h=11 m=38
